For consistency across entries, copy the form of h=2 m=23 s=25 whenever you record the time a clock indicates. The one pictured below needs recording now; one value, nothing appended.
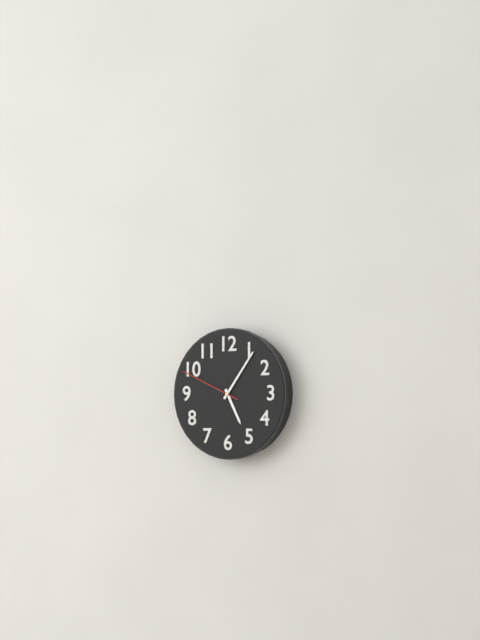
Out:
h=5 m=6 s=49
